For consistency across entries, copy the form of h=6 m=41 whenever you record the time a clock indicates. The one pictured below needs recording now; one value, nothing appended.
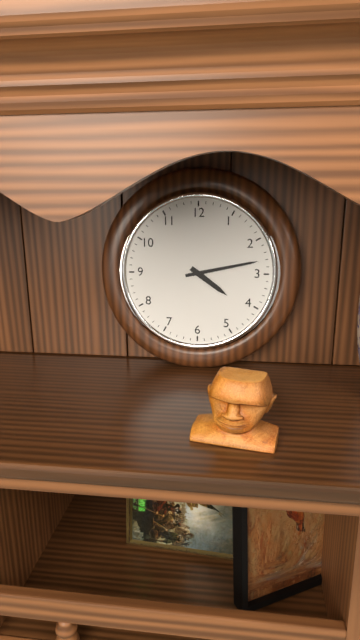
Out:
h=4 m=13
